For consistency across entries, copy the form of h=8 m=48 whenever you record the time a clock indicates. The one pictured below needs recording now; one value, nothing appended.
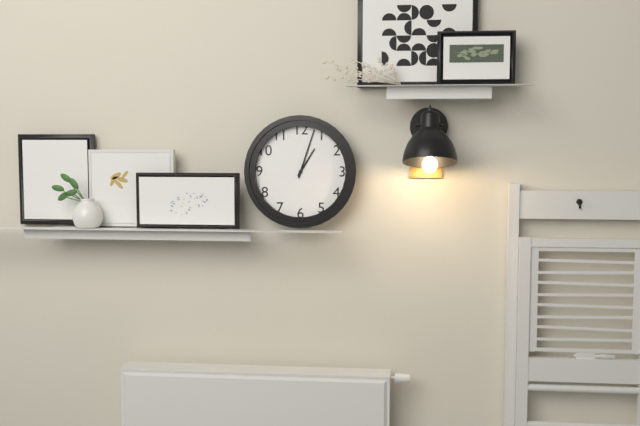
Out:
h=1 m=3
